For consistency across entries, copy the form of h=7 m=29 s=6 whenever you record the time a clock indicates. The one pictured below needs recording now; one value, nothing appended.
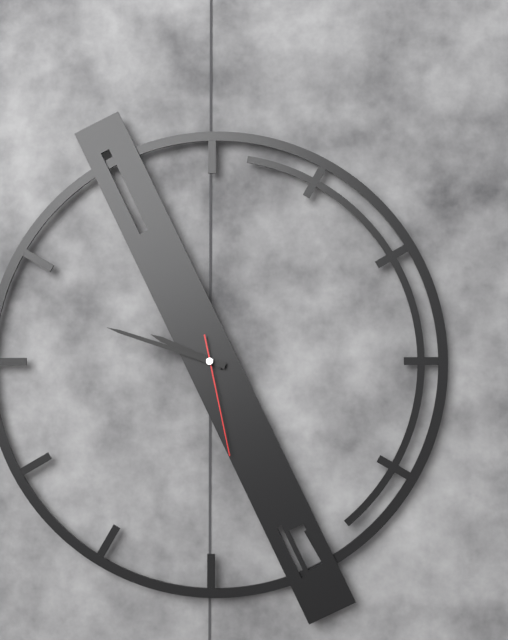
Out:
h=9 m=48 s=28
